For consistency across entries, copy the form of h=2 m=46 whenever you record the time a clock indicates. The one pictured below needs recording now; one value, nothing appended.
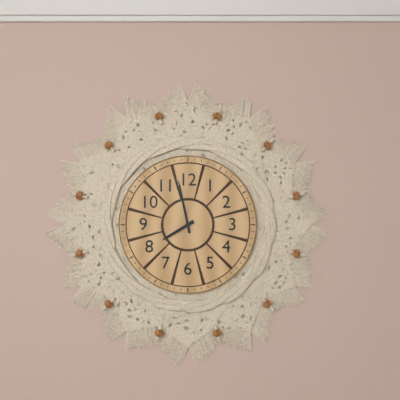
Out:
h=7 m=58
